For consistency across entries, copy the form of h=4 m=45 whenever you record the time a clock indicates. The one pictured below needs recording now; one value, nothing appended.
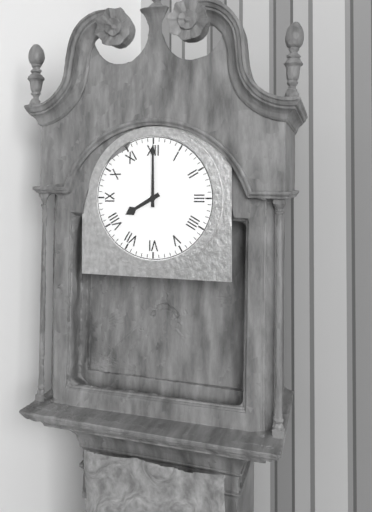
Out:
h=8 m=0
